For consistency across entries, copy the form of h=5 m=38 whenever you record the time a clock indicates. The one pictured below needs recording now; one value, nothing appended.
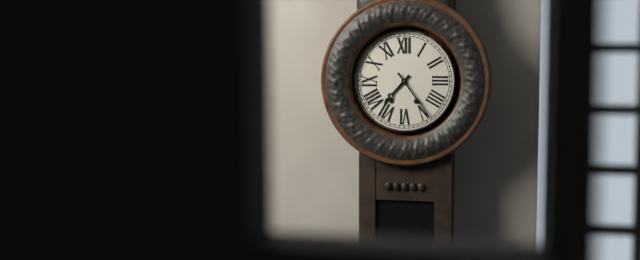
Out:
h=7 m=24
